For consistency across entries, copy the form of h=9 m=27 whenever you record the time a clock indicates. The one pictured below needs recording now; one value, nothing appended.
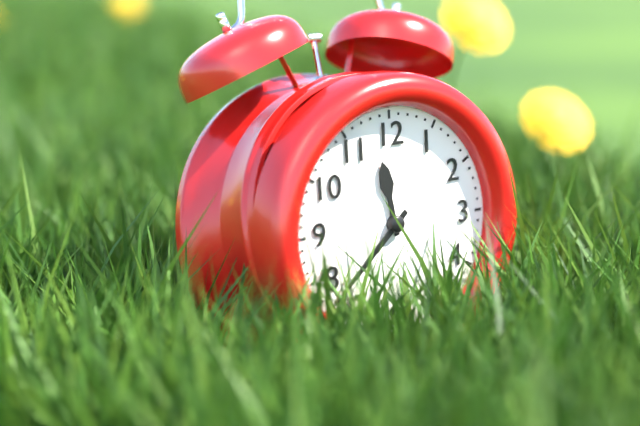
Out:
h=11 m=38
